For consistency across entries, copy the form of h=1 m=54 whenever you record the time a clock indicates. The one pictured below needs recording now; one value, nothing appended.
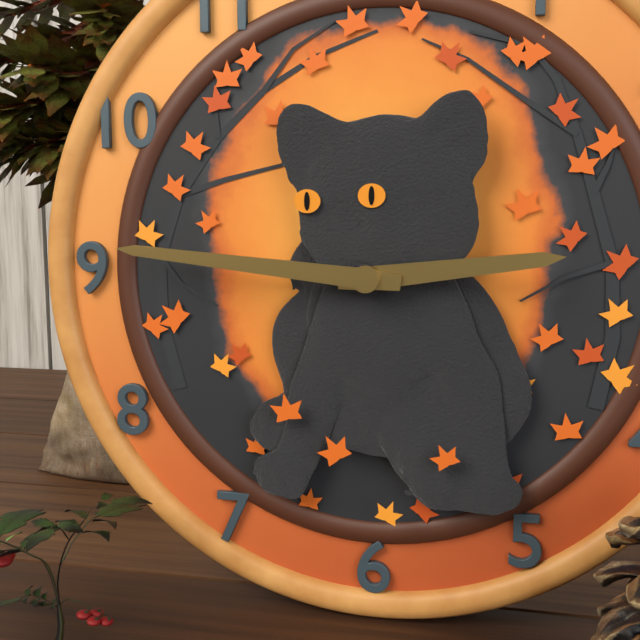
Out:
h=2 m=46
